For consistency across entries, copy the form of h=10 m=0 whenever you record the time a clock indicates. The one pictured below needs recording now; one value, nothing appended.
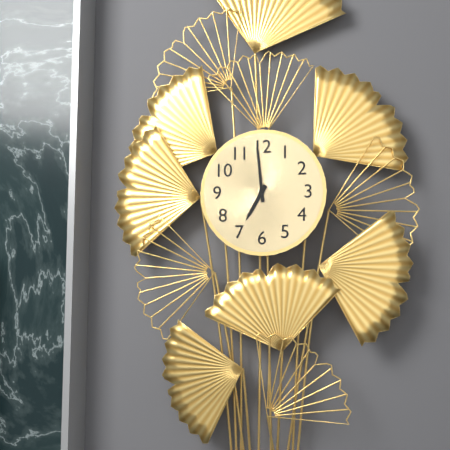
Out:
h=6 m=59
